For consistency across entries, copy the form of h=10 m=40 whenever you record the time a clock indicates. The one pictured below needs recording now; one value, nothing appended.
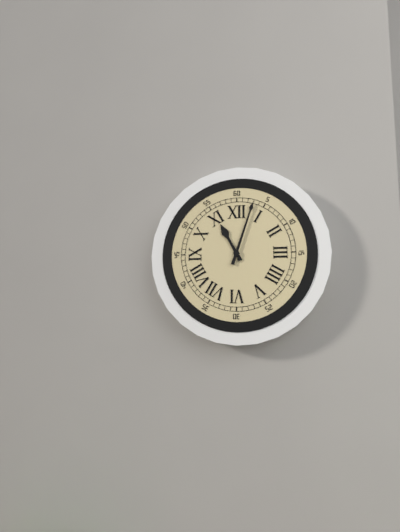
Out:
h=11 m=3
